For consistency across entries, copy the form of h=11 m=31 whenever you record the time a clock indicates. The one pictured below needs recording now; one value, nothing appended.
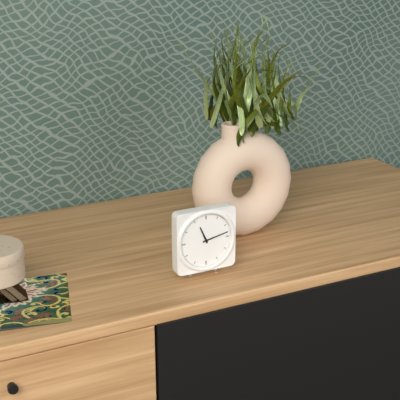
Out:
h=11 m=13
